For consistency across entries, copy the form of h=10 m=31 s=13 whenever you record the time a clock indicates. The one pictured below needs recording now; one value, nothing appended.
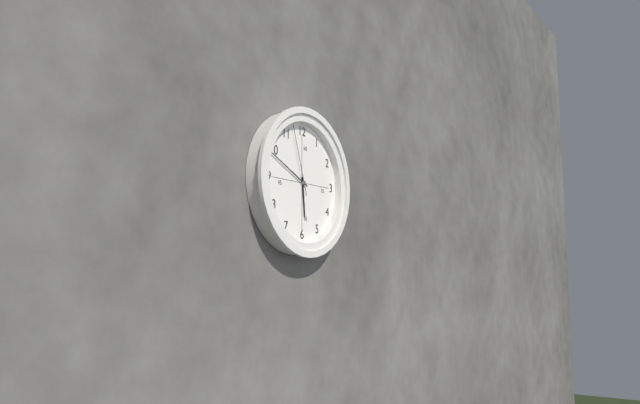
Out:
h=5 m=49 s=57
